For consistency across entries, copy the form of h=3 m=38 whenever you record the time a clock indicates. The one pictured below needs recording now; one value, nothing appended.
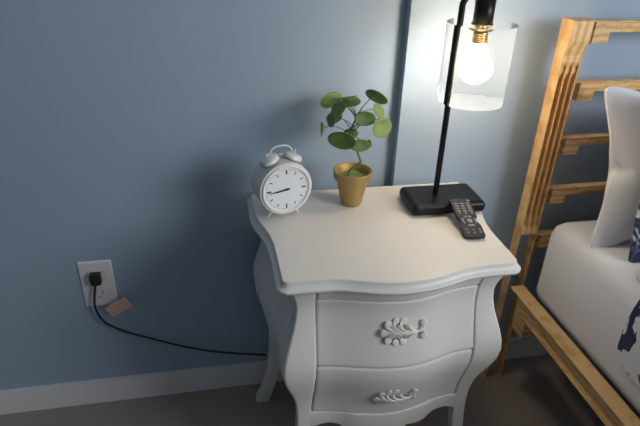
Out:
h=8 m=44
